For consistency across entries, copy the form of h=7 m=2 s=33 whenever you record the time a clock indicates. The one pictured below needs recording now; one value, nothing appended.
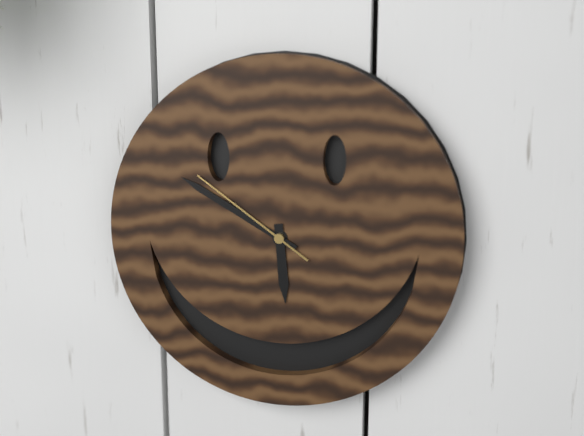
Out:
h=5 m=50 s=51
